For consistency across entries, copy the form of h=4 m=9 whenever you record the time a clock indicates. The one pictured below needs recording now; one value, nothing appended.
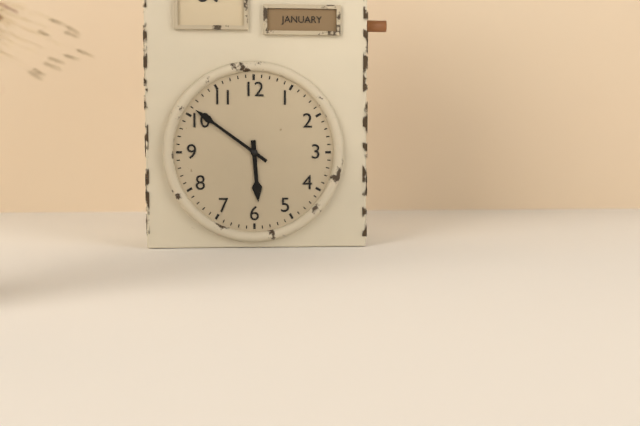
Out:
h=5 m=51
